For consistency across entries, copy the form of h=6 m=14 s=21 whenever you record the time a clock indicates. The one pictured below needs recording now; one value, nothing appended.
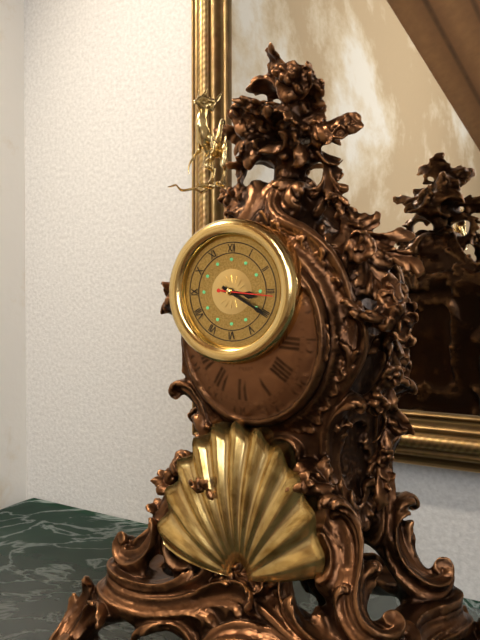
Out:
h=3 m=20 s=16
